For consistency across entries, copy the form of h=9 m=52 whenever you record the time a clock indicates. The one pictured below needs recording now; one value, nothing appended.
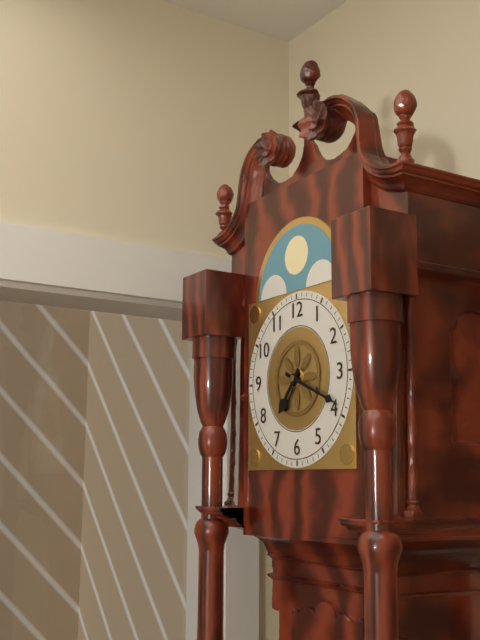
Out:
h=7 m=19
